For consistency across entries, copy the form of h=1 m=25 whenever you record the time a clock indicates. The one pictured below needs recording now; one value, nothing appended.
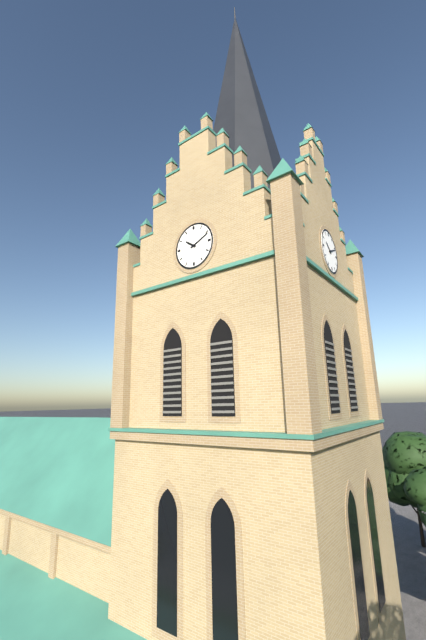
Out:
h=10 m=11
